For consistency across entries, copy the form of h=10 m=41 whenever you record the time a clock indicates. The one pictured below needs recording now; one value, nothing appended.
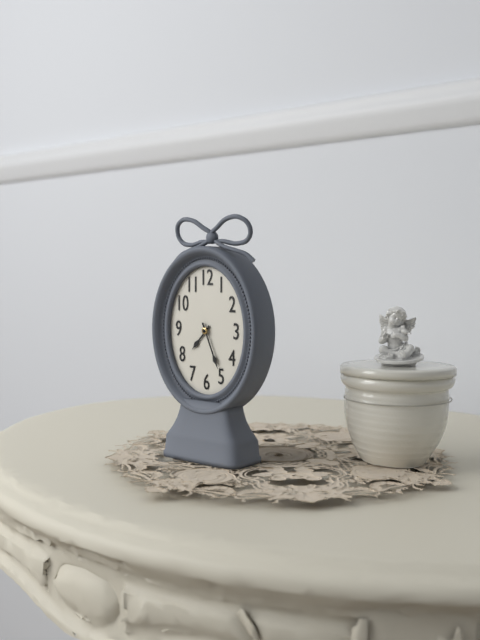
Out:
h=7 m=26
